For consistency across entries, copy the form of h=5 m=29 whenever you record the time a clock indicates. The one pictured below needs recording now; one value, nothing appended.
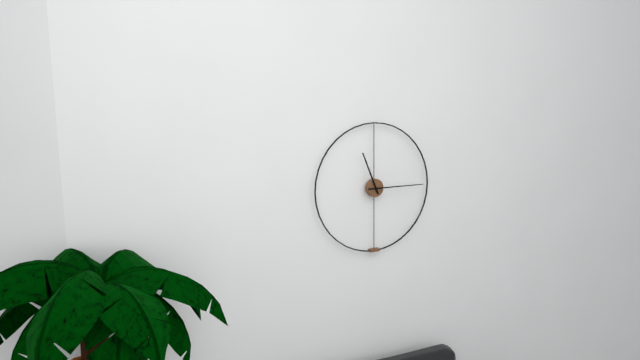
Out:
h=11 m=15
